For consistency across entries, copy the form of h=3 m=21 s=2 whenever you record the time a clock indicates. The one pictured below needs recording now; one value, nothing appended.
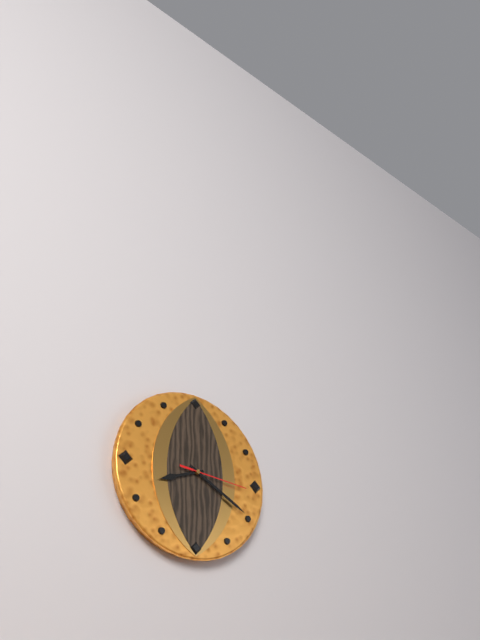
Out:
h=8 m=20 s=16
